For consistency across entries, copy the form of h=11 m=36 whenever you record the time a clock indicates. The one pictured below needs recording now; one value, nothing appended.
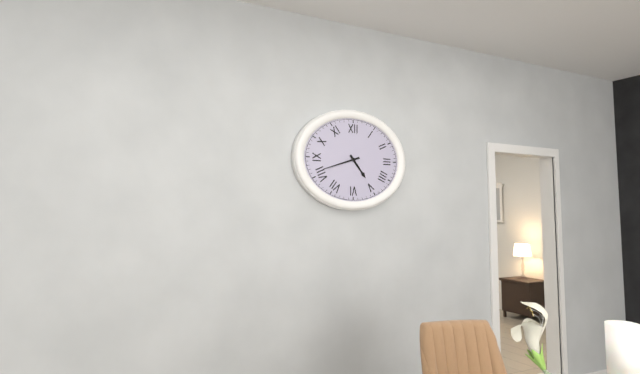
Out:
h=4 m=42
